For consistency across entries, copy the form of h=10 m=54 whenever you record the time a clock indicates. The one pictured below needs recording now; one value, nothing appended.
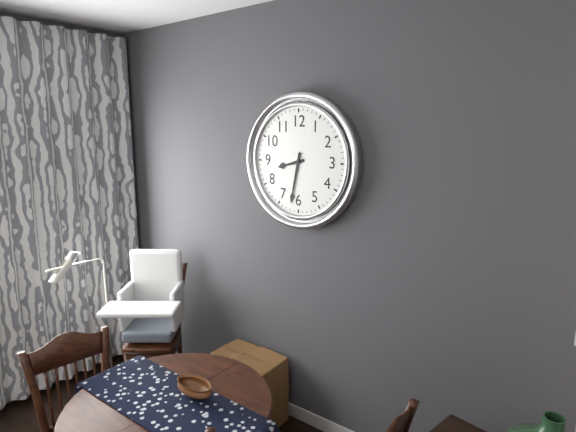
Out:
h=8 m=32
